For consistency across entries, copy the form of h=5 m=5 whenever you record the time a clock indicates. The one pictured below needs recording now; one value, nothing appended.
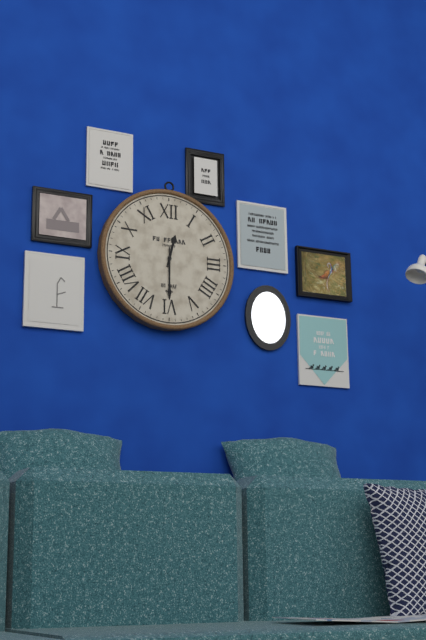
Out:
h=12 m=30
